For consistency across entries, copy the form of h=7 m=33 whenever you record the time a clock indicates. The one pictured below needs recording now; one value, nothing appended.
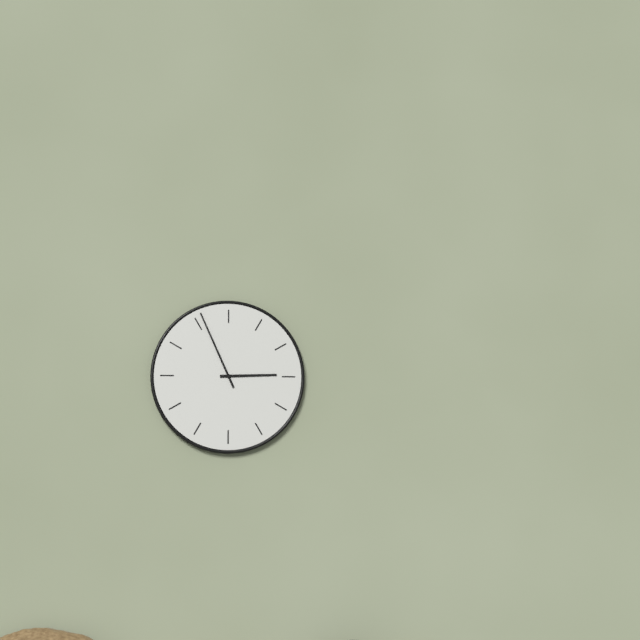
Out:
h=2 m=56
